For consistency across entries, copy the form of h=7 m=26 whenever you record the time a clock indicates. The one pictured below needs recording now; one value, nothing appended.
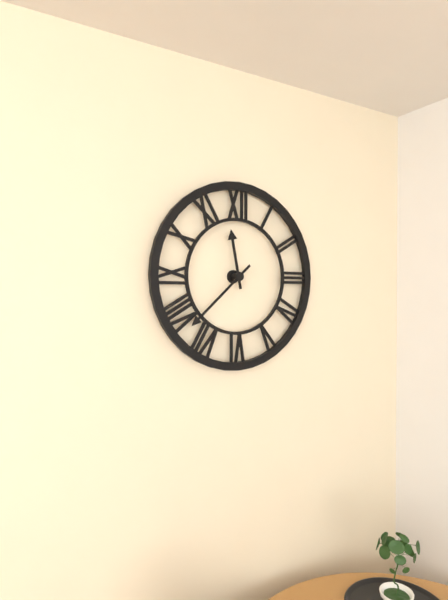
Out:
h=11 m=38
